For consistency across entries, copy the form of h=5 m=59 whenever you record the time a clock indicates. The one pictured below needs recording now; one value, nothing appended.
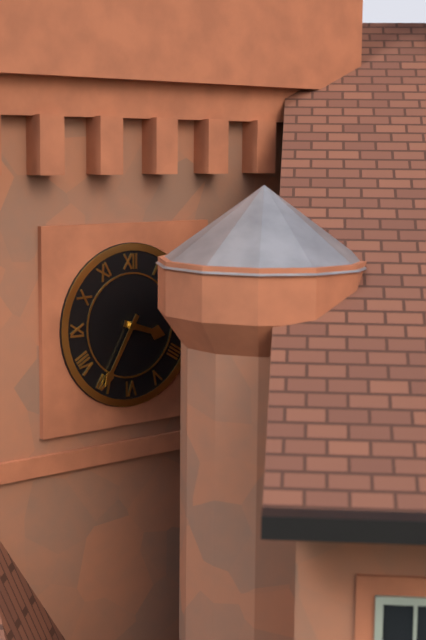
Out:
h=3 m=35
